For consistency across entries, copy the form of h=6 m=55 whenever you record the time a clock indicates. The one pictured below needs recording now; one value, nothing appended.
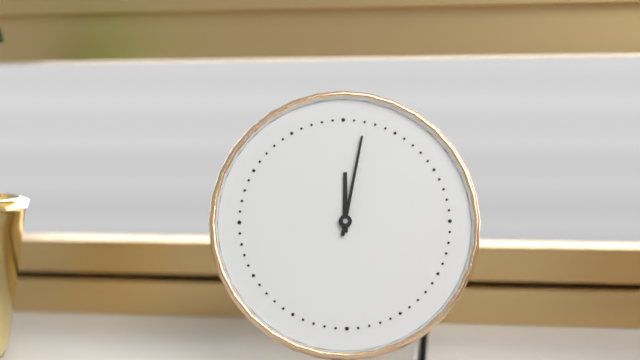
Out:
h=12 m=2
